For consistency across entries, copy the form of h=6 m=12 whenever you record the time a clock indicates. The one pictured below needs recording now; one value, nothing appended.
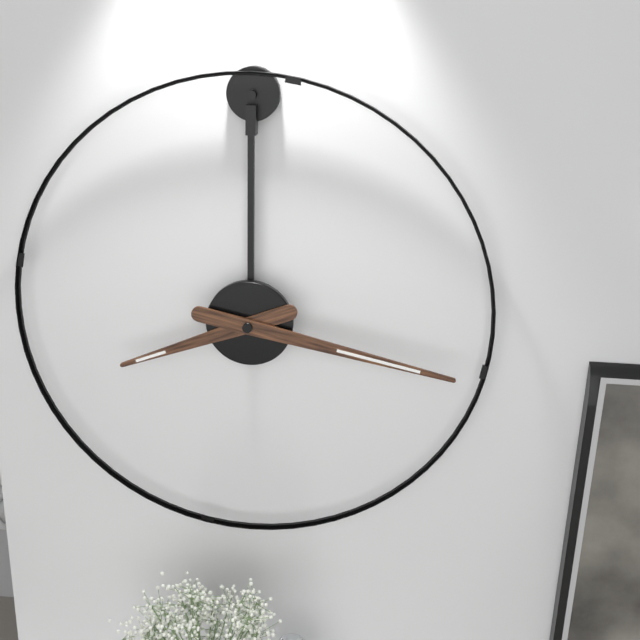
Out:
h=8 m=17
